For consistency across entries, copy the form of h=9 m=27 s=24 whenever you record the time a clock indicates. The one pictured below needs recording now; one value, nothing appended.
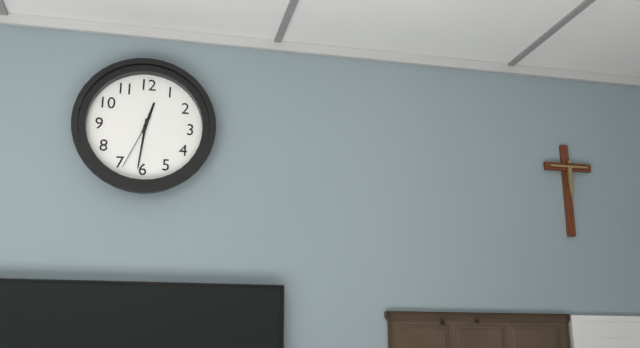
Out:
h=12 m=31 s=34
